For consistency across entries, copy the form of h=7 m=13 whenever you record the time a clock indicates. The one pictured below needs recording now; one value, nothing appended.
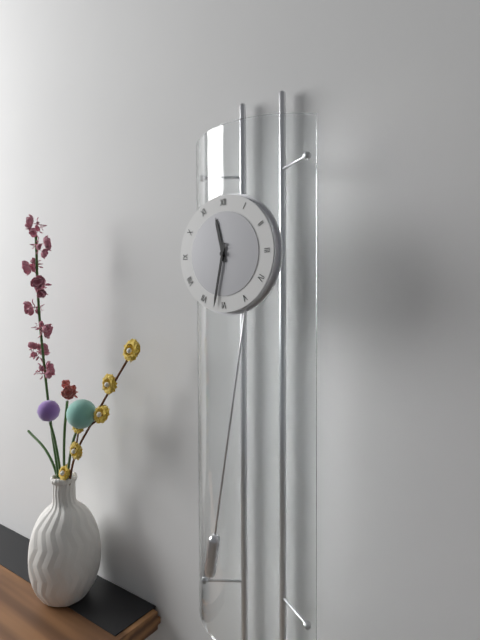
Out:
h=11 m=32
